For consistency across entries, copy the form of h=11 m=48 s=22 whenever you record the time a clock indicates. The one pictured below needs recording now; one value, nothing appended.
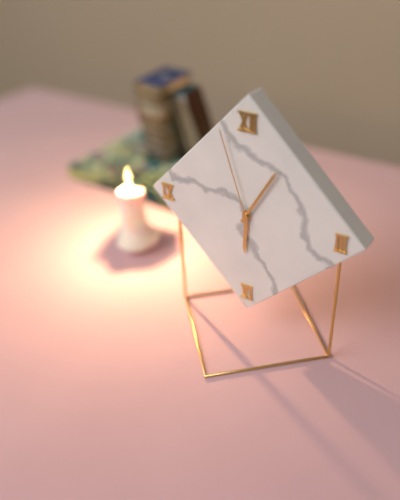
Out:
h=6 m=5 s=57
